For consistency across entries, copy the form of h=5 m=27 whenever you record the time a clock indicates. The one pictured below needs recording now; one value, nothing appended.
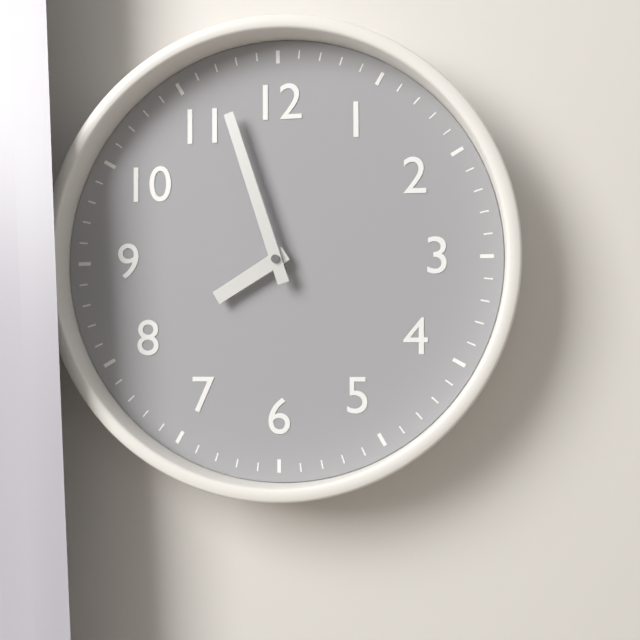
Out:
h=7 m=57
